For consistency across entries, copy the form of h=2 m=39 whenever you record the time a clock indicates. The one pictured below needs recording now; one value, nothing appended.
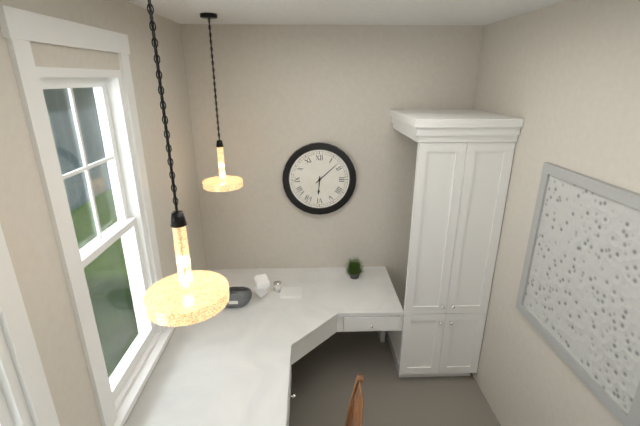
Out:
h=6 m=8
